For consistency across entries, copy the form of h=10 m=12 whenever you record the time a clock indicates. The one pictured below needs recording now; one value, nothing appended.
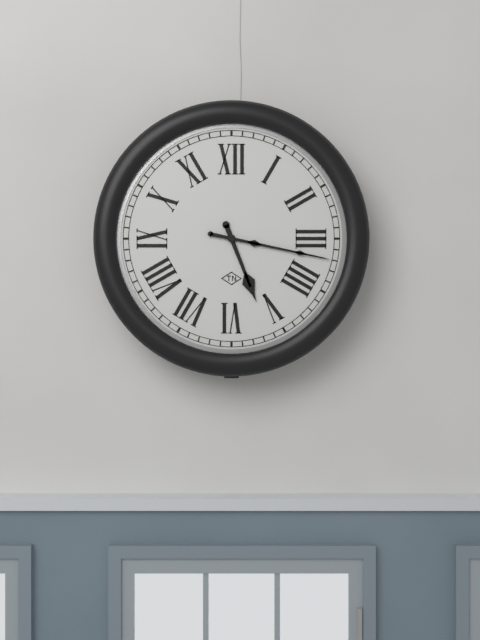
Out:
h=5 m=17
